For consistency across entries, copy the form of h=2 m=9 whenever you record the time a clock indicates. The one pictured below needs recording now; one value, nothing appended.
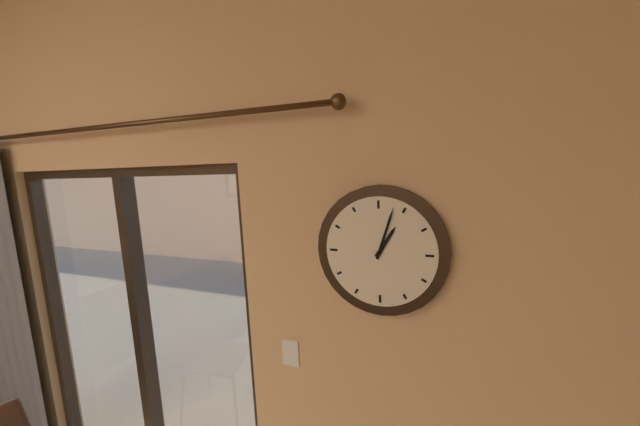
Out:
h=1 m=3
